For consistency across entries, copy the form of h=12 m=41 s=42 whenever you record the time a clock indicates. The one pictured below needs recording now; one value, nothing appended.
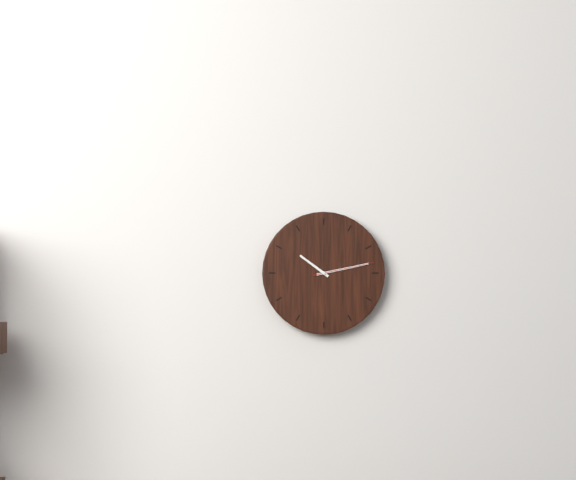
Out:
h=10 m=13 s=13
